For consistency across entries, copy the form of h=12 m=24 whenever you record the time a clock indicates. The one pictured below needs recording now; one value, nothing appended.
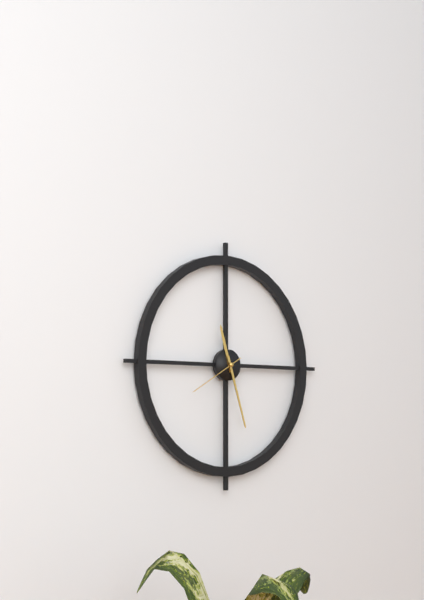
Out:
h=11 m=27
